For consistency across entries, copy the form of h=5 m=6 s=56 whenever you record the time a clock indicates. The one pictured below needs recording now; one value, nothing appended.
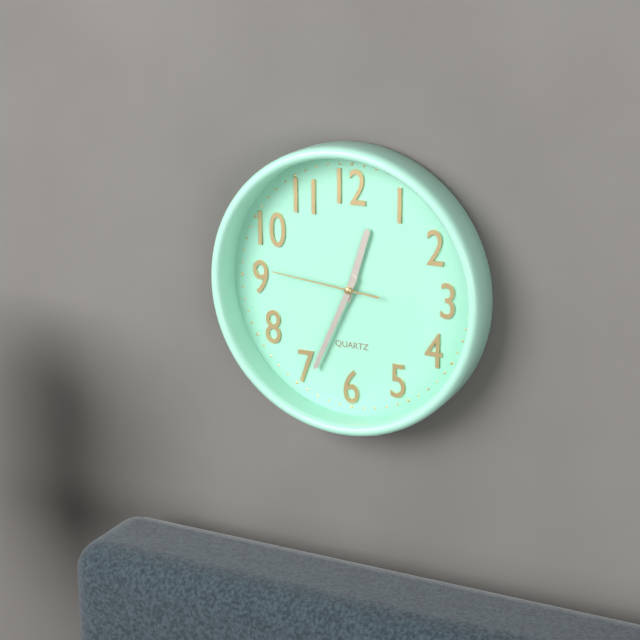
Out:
h=12 m=34 s=46
